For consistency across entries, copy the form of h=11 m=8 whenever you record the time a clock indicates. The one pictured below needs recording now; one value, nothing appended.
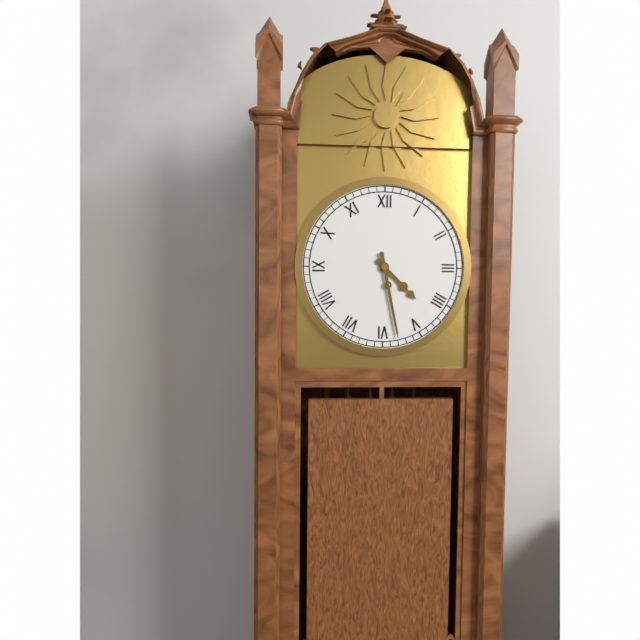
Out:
h=4 m=28
